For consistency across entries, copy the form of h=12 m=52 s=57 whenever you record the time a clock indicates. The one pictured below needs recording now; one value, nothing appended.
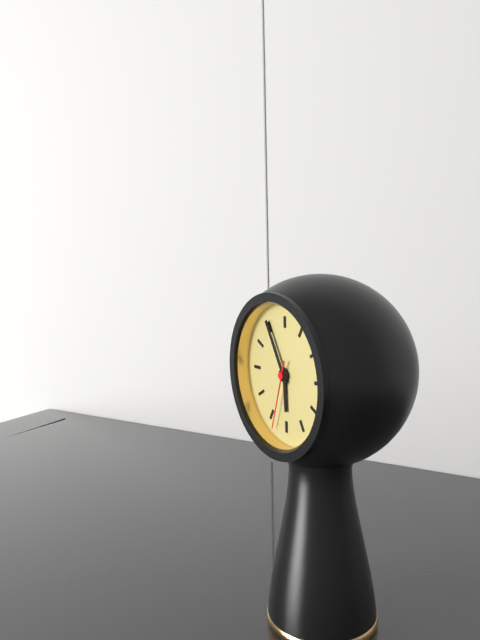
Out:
h=5 m=55 s=33
